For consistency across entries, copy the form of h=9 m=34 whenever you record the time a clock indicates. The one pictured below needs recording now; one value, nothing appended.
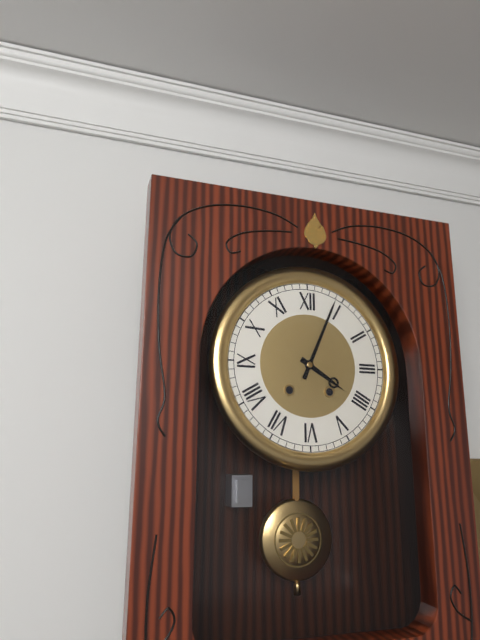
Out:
h=4 m=4
